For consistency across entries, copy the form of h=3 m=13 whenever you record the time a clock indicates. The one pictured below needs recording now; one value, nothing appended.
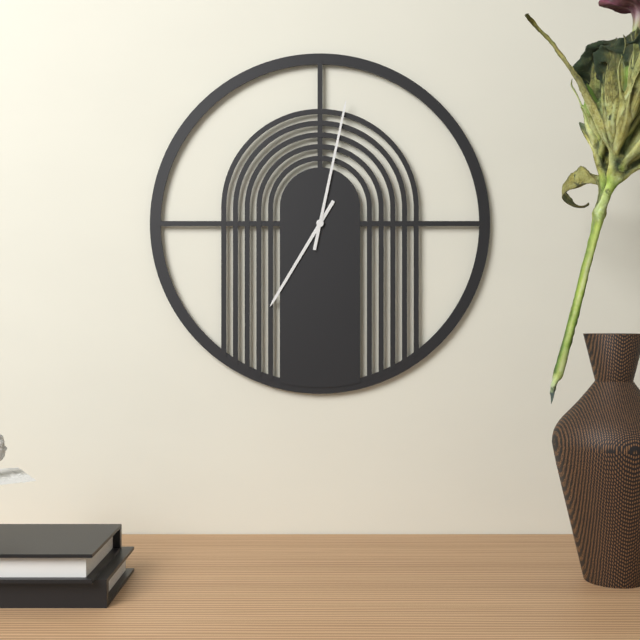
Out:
h=7 m=2
